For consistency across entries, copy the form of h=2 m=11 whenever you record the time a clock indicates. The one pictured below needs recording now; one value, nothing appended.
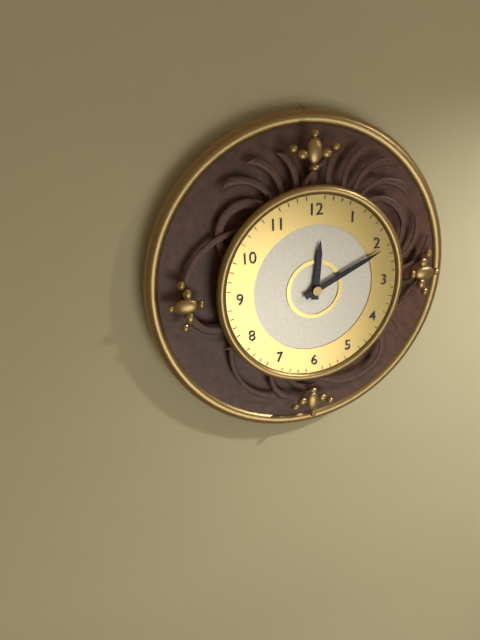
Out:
h=12 m=11
